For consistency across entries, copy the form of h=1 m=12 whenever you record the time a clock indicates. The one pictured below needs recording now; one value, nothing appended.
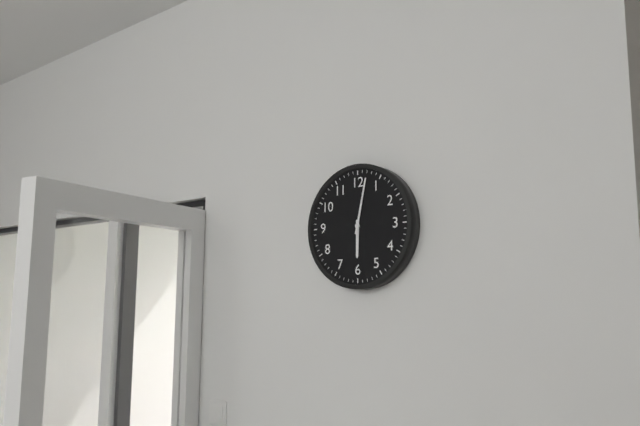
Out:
h=6 m=2
